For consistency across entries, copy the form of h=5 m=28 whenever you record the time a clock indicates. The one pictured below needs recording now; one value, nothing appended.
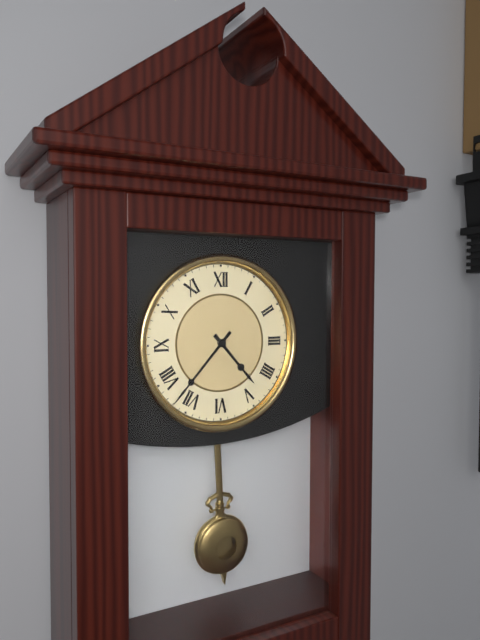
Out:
h=4 m=37
